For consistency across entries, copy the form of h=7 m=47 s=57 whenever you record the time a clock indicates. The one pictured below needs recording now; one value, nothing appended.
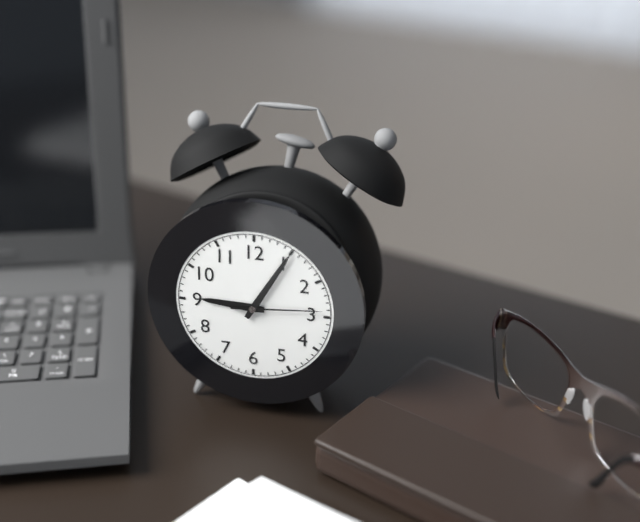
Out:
h=9 m=5 s=14
